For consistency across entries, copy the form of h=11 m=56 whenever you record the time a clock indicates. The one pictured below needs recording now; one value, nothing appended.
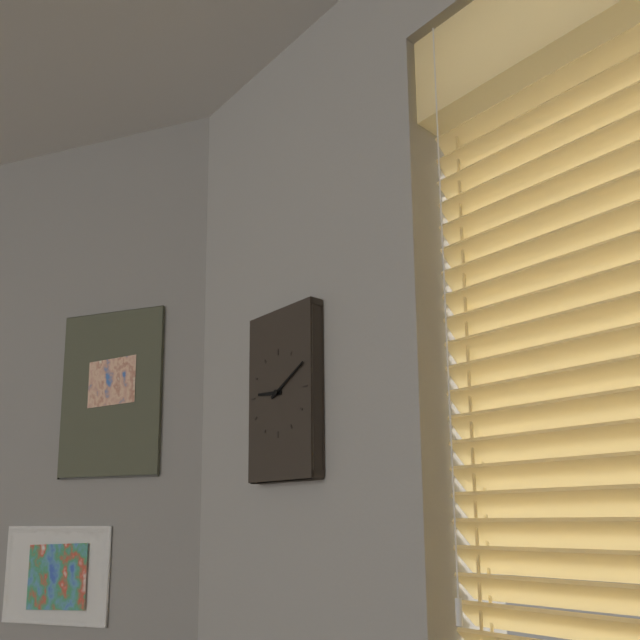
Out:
h=9 m=10
